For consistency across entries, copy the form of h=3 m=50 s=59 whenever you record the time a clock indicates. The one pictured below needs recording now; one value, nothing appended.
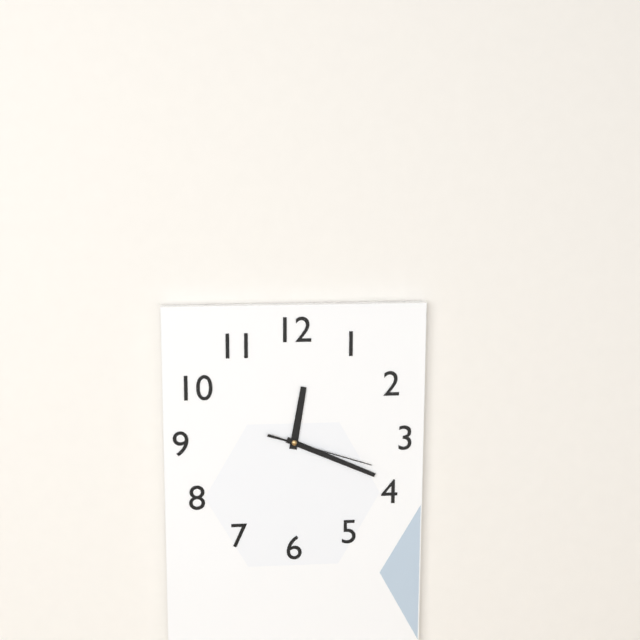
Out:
h=12 m=19 s=18
